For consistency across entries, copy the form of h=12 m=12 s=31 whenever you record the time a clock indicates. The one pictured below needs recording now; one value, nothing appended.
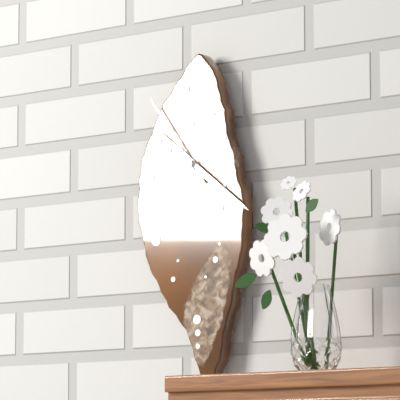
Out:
h=10 m=21 s=54
